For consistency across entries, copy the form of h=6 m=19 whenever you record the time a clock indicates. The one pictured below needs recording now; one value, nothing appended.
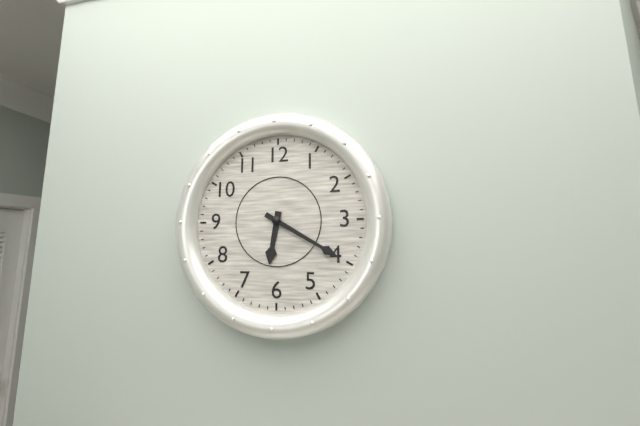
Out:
h=6 m=20
